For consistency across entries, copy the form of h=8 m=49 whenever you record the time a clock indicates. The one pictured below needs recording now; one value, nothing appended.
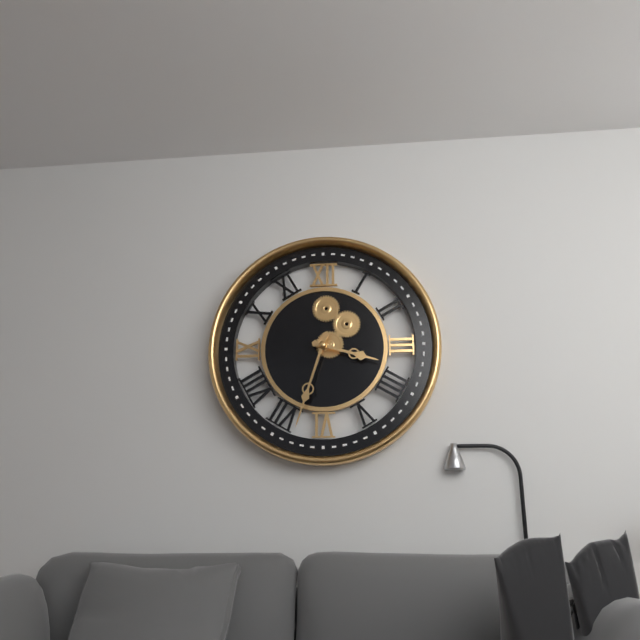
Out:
h=3 m=33
